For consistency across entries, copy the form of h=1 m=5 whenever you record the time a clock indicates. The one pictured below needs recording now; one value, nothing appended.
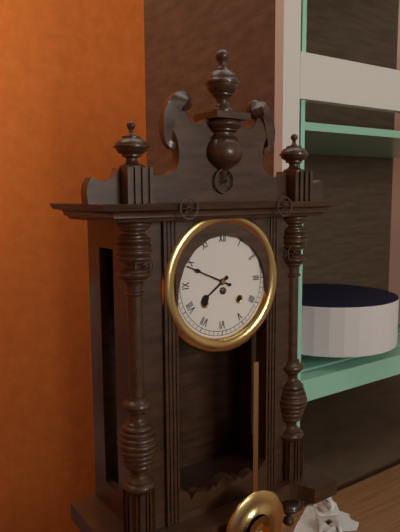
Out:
h=7 m=49
